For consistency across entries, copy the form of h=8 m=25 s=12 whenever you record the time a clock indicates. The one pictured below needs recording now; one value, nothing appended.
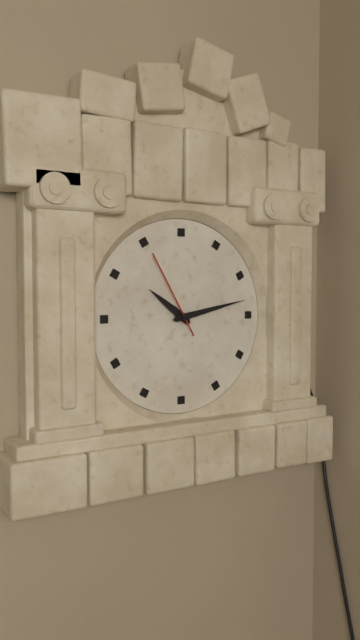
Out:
h=10 m=13 s=55
